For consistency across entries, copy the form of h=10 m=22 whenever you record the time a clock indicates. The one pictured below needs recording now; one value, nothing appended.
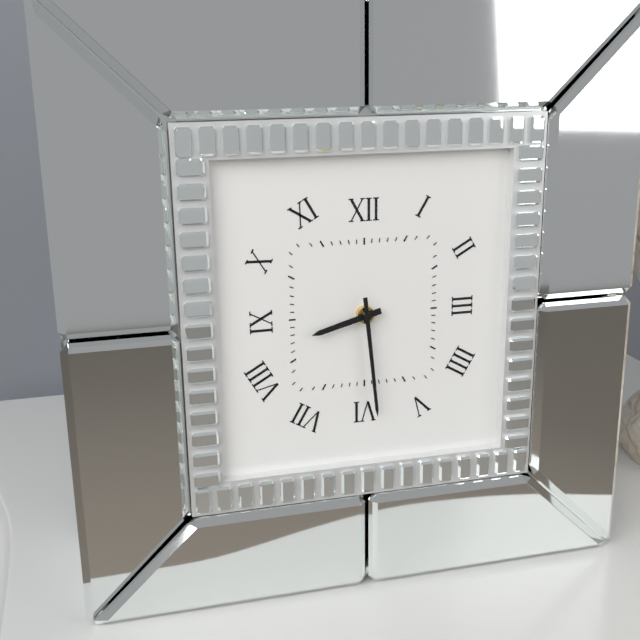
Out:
h=8 m=29
